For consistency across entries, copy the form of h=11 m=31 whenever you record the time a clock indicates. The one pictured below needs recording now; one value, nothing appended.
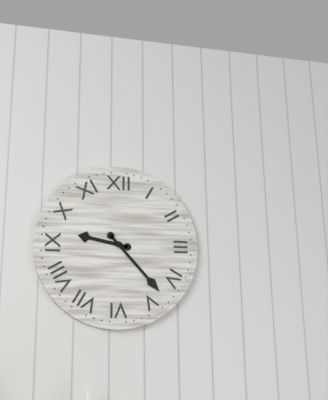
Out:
h=9 m=23
